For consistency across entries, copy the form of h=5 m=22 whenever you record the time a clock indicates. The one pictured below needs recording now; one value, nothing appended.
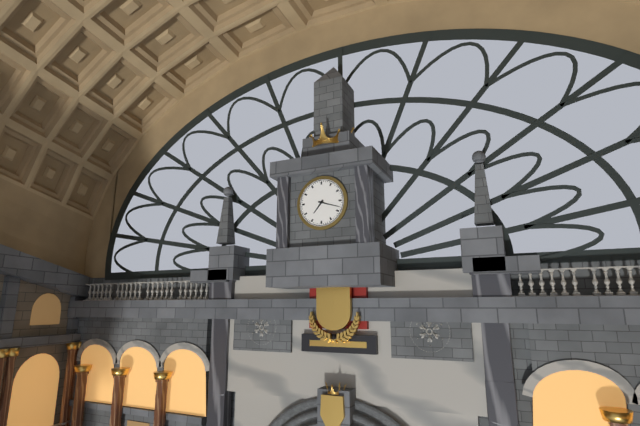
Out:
h=7 m=18
